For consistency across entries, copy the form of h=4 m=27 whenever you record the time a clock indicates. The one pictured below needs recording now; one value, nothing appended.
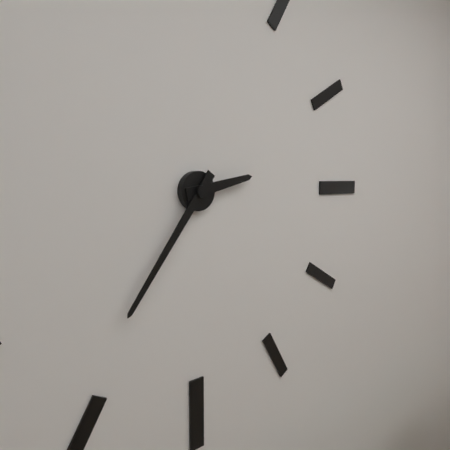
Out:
h=2 m=36
